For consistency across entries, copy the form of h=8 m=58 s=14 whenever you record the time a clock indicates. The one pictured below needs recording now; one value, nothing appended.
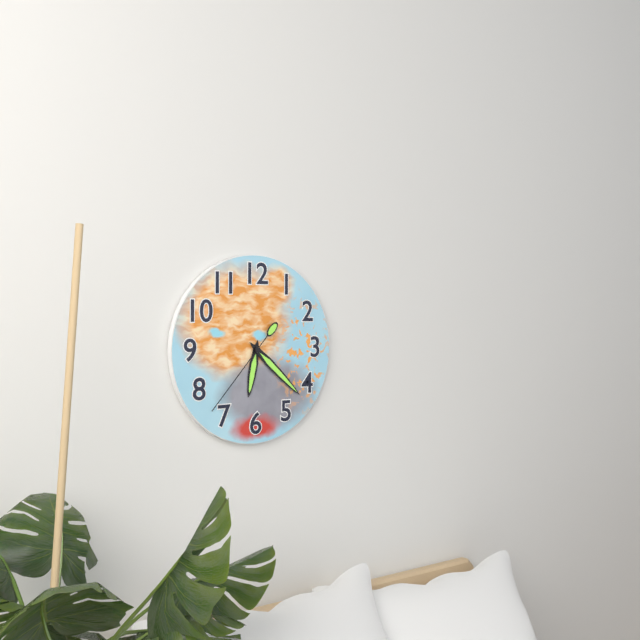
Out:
h=6 m=22 s=37
